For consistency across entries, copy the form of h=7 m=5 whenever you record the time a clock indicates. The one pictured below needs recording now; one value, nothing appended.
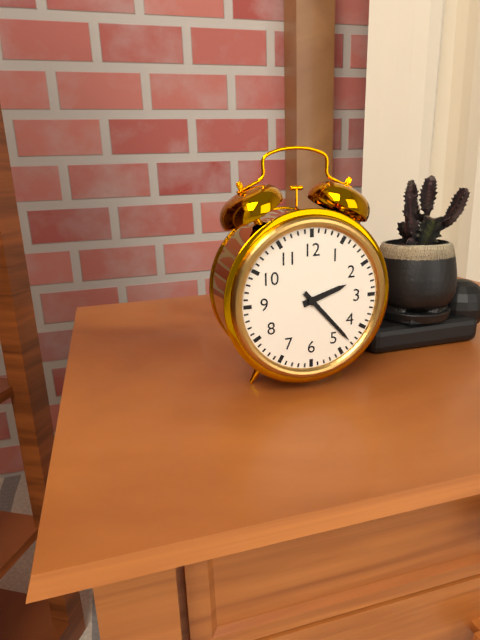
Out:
h=2 m=23
